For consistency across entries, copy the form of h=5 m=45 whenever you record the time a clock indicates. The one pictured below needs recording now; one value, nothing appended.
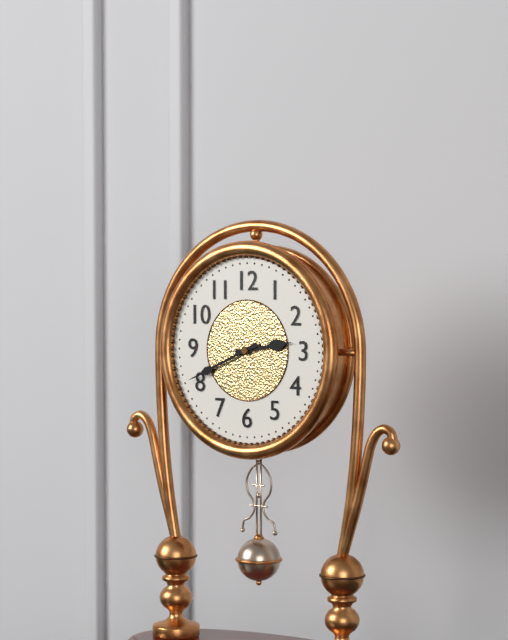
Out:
h=2 m=41
